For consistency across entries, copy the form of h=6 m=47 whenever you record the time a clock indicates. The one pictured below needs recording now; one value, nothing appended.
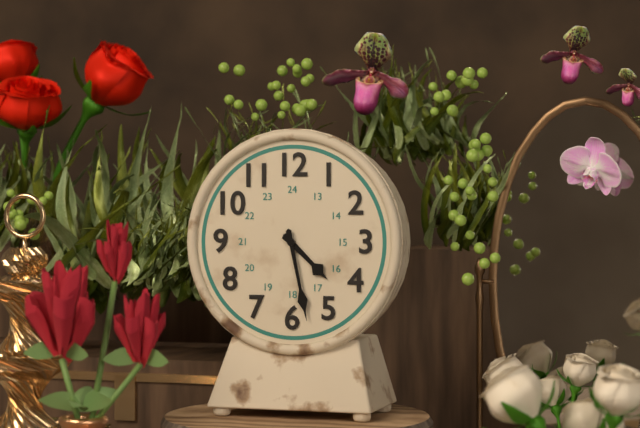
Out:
h=4 m=28
